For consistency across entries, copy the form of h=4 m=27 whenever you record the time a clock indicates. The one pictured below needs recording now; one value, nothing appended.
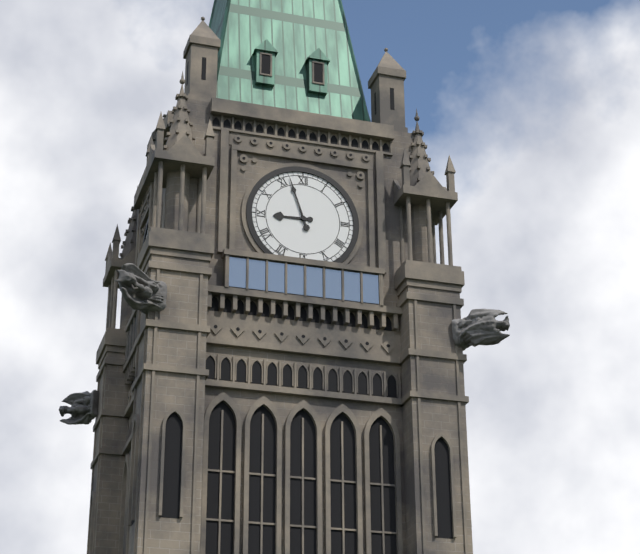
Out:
h=8 m=57
